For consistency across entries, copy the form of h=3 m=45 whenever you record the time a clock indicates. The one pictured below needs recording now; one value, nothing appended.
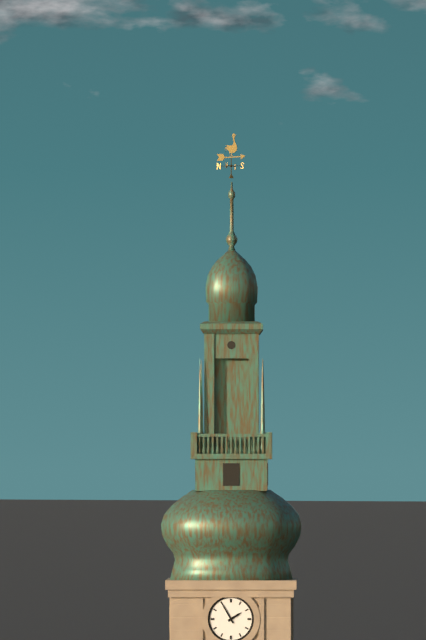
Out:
h=1 m=55
